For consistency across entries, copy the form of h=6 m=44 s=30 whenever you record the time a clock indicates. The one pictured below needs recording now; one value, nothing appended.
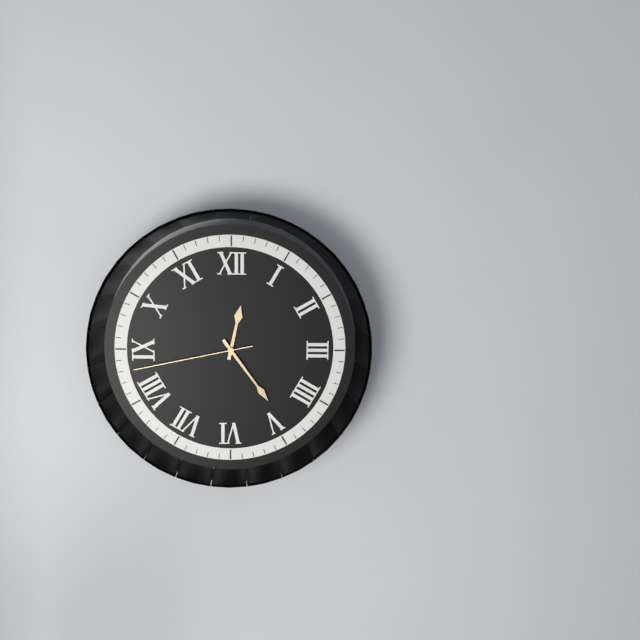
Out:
h=12 m=24 s=43
